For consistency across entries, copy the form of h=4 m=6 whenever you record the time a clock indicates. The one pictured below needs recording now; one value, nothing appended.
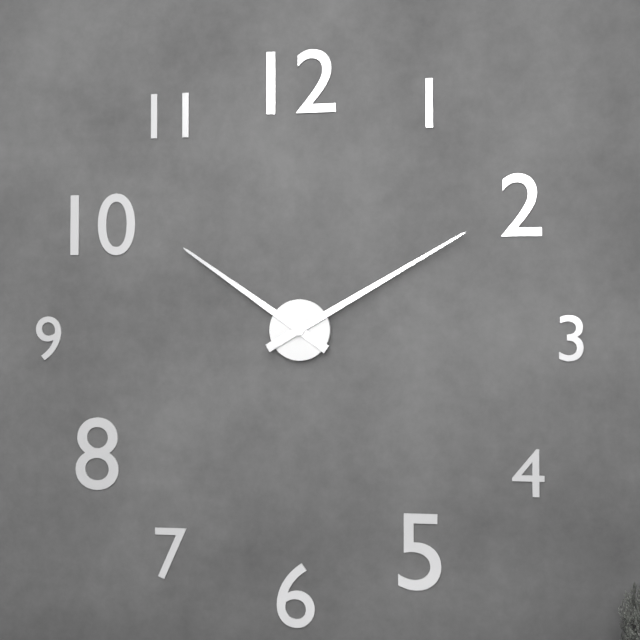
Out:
h=10 m=10
